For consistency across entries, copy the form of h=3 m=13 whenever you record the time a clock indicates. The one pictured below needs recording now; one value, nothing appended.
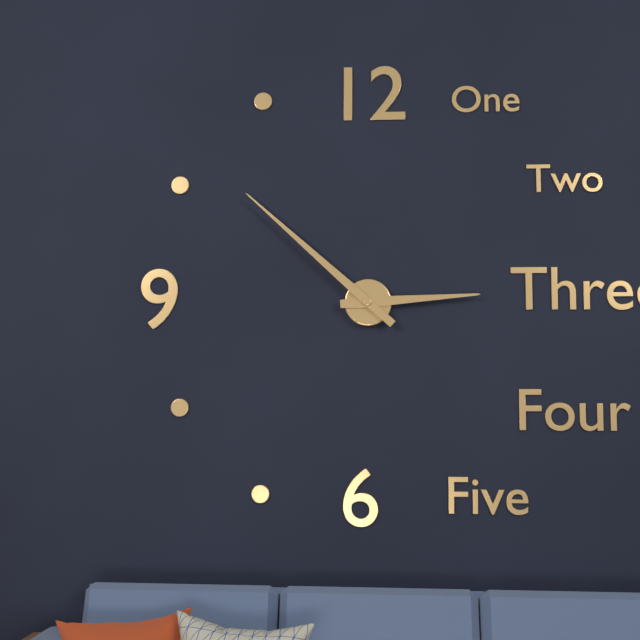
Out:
h=2 m=52
